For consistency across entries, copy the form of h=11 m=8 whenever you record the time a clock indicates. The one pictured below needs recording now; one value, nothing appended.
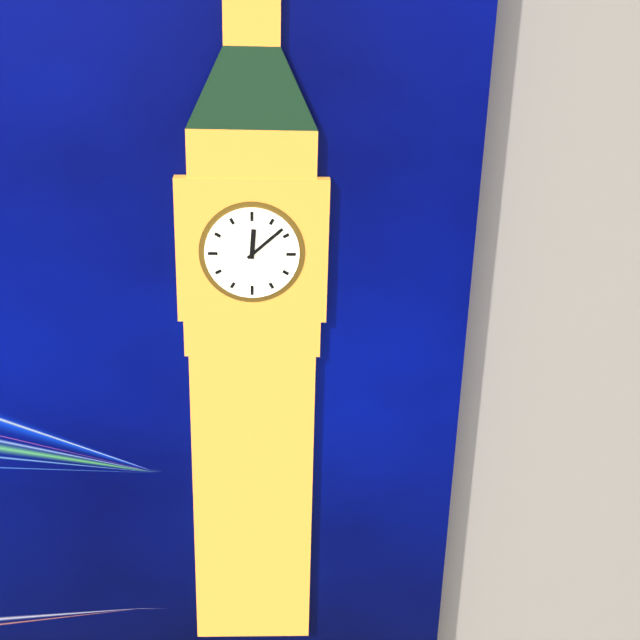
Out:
h=12 m=8
